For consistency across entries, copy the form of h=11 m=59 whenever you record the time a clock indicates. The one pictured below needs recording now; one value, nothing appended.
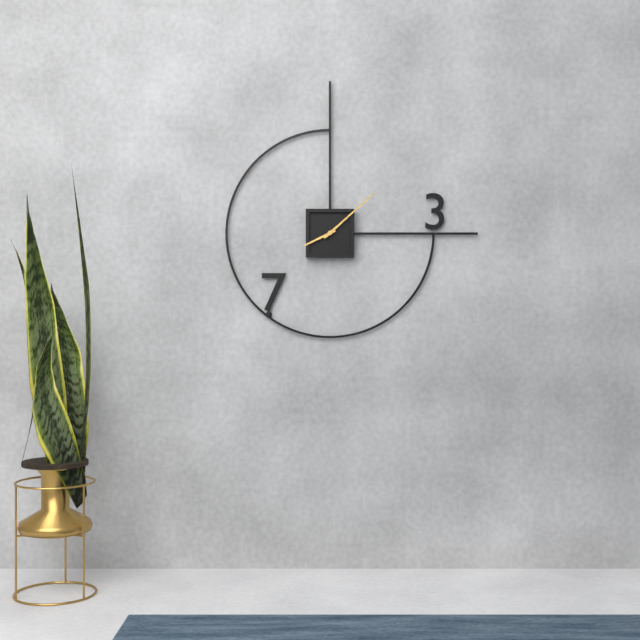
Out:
h=8 m=8
